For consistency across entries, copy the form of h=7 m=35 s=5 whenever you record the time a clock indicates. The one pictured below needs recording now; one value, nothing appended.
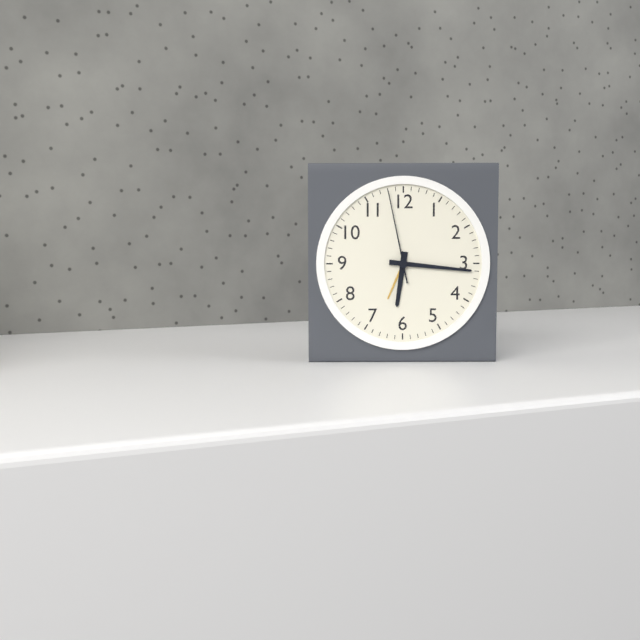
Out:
h=6 m=16 s=58
